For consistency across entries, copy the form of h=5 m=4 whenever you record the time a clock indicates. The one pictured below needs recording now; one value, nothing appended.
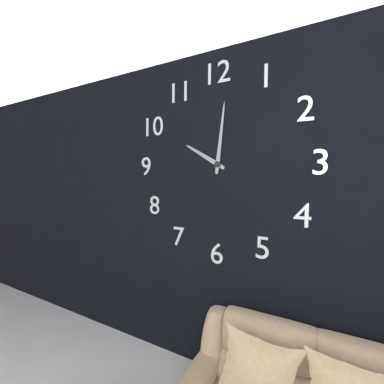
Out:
h=10 m=1
